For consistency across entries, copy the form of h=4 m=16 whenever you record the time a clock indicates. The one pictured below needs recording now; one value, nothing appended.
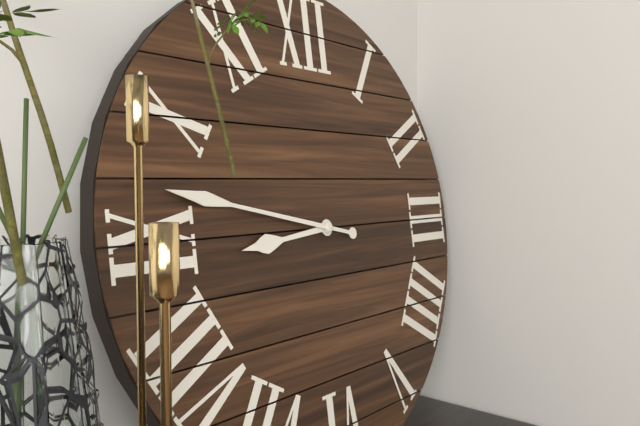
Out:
h=8 m=47
